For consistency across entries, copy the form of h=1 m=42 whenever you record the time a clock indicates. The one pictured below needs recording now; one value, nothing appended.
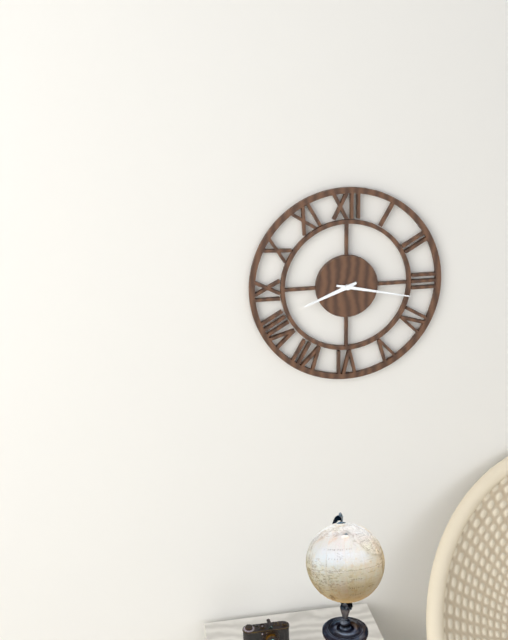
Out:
h=8 m=17
